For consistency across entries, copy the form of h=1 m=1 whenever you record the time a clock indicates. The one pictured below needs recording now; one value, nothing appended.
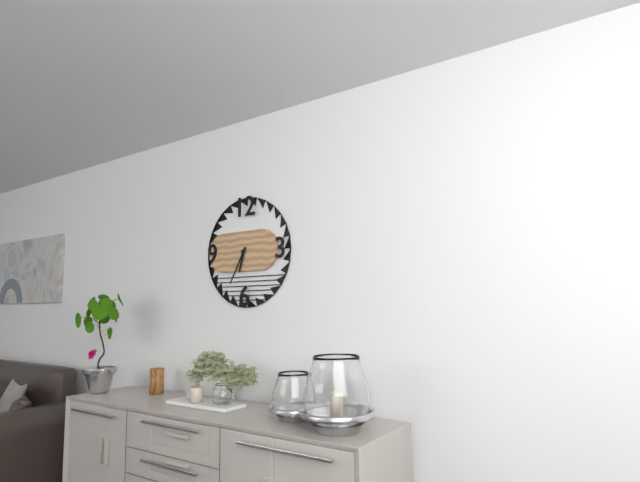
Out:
h=6 m=35
